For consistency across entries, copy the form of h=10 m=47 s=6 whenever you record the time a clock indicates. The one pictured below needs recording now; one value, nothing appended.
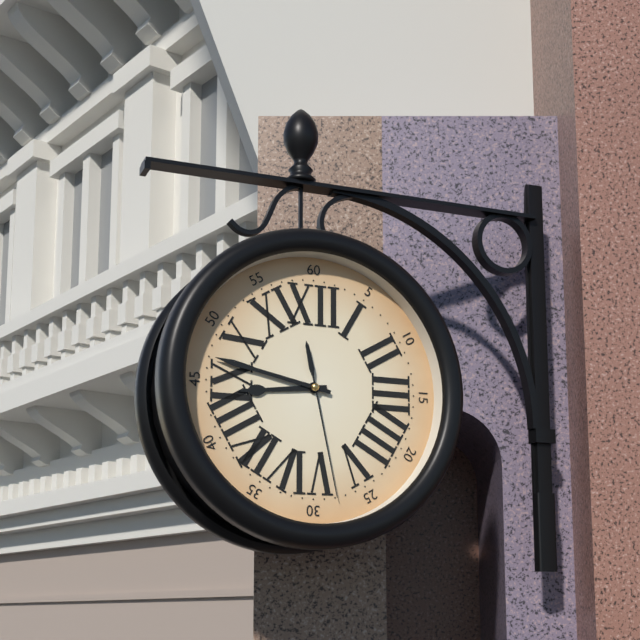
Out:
h=8 m=47 s=28
